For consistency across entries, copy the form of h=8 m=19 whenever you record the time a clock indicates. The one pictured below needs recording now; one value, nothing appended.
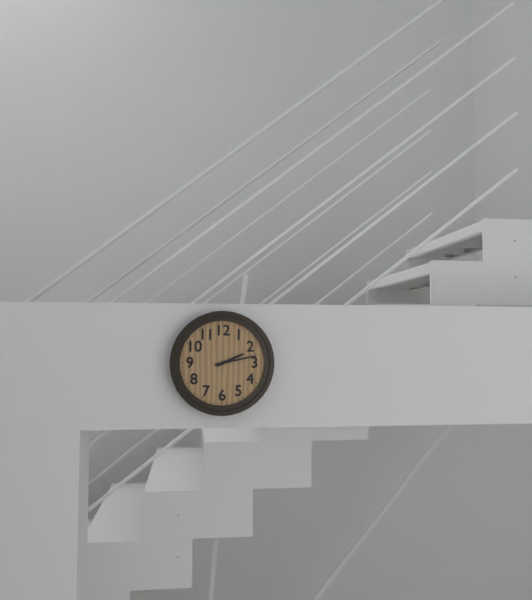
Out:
h=2 m=13
